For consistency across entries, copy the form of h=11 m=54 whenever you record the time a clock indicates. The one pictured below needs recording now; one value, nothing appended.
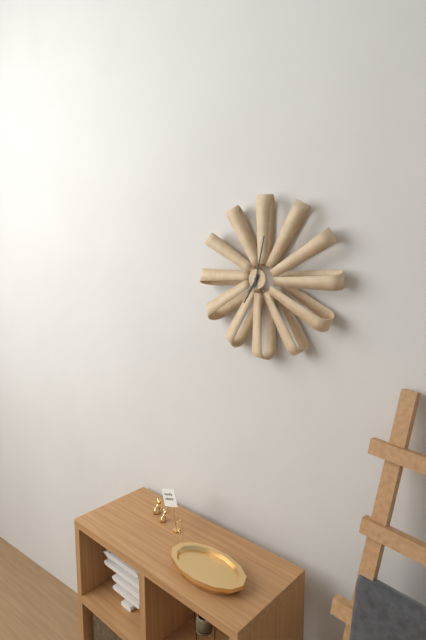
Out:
h=7 m=2
